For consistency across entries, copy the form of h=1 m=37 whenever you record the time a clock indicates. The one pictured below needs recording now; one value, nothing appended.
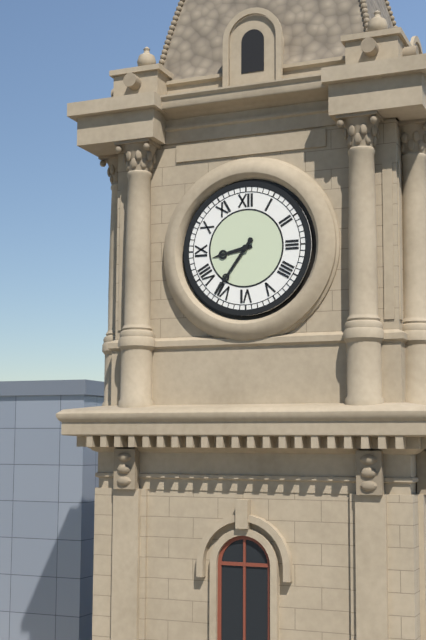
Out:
h=8 m=36
